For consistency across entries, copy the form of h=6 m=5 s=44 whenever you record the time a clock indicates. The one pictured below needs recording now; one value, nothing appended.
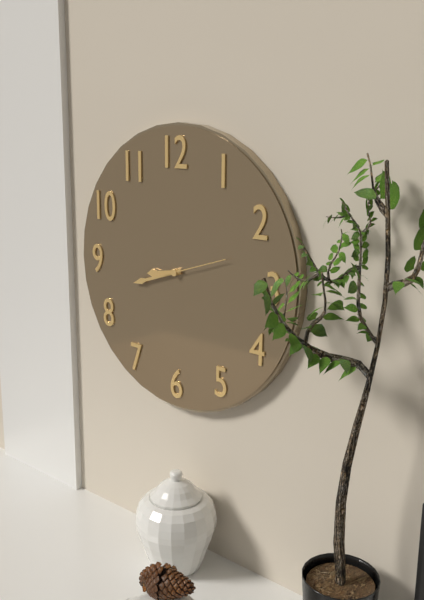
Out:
h=8 m=42 s=12
